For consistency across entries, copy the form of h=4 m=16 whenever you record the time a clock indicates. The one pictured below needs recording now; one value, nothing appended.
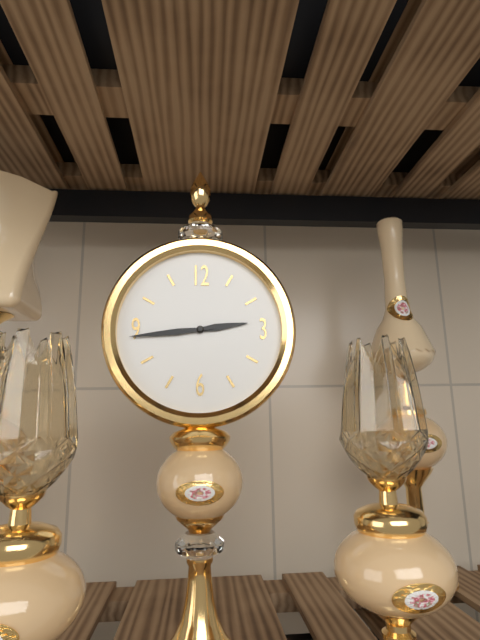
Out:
h=2 m=44
